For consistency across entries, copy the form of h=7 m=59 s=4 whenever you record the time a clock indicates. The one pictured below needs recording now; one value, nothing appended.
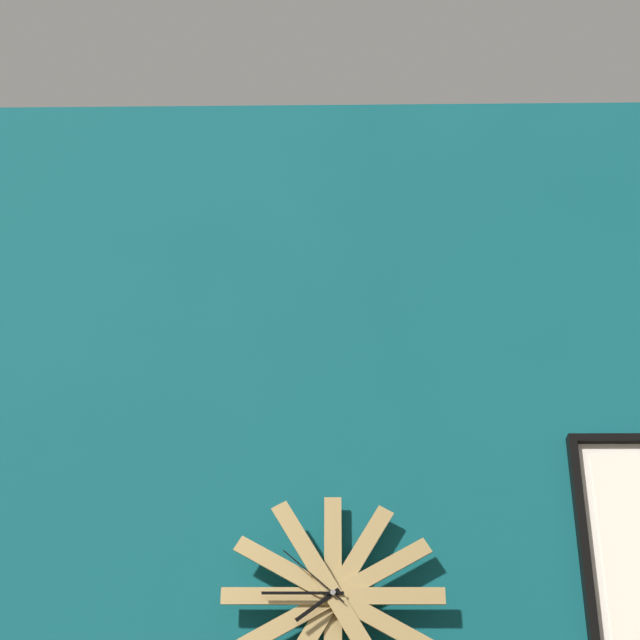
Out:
h=7 m=45 s=52
